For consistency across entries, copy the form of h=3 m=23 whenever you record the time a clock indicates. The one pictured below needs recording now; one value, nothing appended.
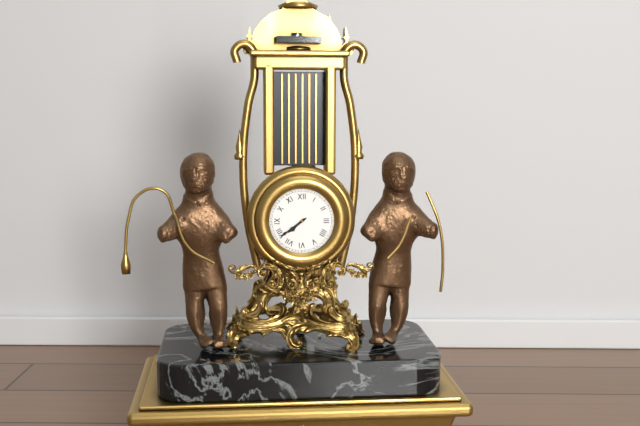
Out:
h=7 m=39
